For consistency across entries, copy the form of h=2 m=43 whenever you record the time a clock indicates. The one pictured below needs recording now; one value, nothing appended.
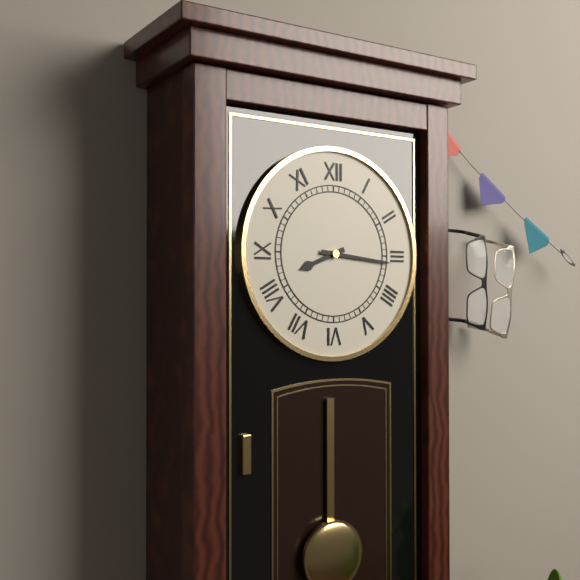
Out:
h=8 m=16
